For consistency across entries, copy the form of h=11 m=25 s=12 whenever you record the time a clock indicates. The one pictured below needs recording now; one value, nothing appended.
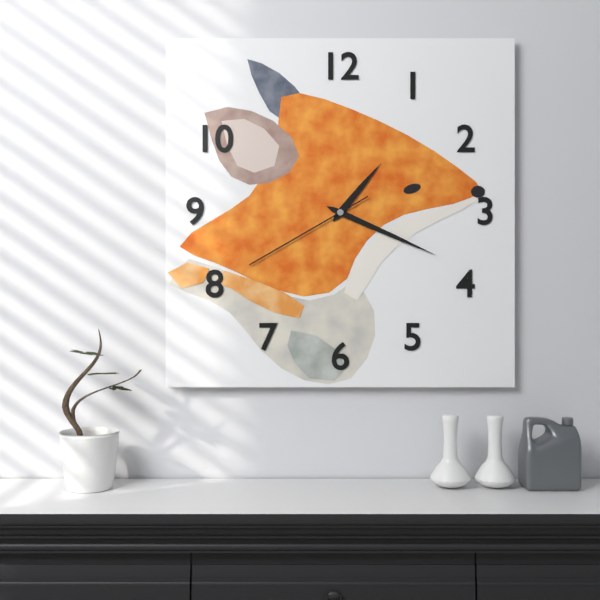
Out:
h=1 m=19 s=40
